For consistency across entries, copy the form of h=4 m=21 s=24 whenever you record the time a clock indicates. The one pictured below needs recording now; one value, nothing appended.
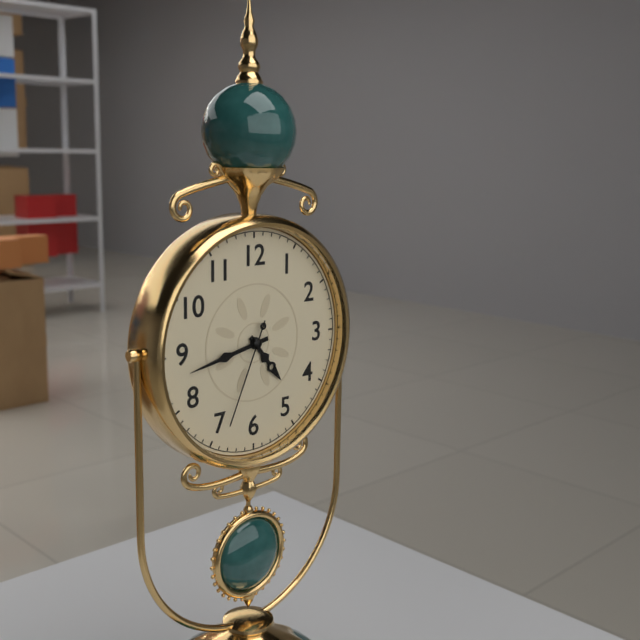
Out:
h=4 m=43 s=34
